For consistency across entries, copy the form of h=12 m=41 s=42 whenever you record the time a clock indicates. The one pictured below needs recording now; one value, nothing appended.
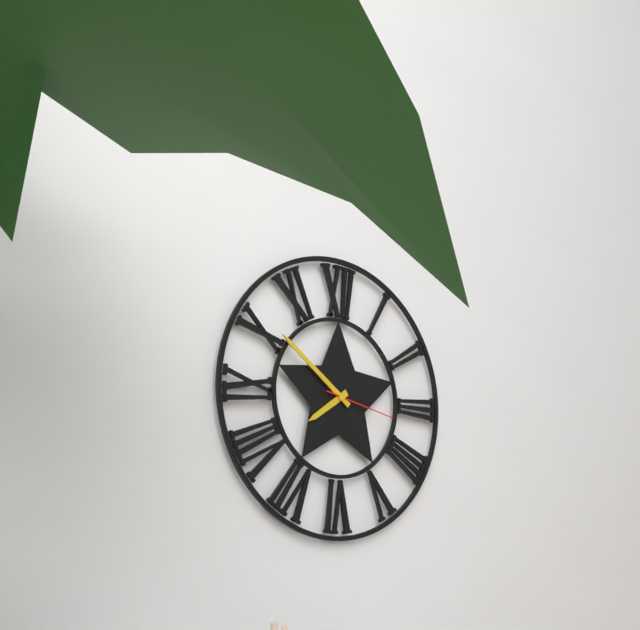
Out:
h=7 m=51 s=17
